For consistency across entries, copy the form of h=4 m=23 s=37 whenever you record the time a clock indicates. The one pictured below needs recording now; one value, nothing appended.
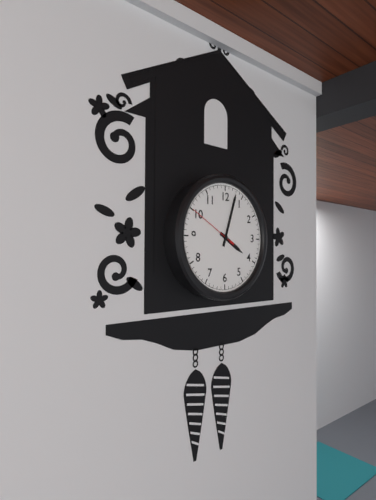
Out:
h=4 m=3 s=50
